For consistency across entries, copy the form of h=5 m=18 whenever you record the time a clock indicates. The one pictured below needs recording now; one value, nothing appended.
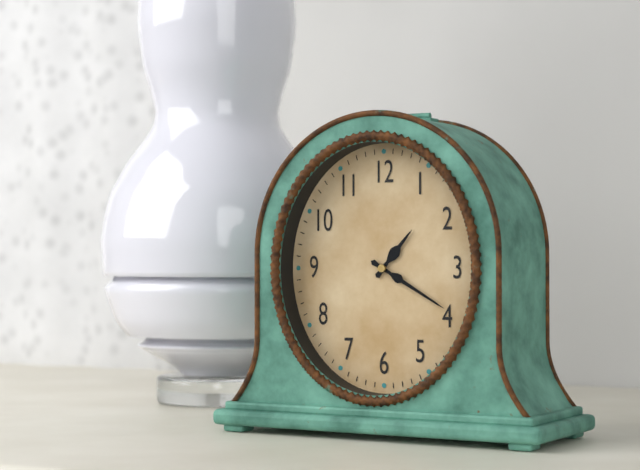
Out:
h=1 m=20
